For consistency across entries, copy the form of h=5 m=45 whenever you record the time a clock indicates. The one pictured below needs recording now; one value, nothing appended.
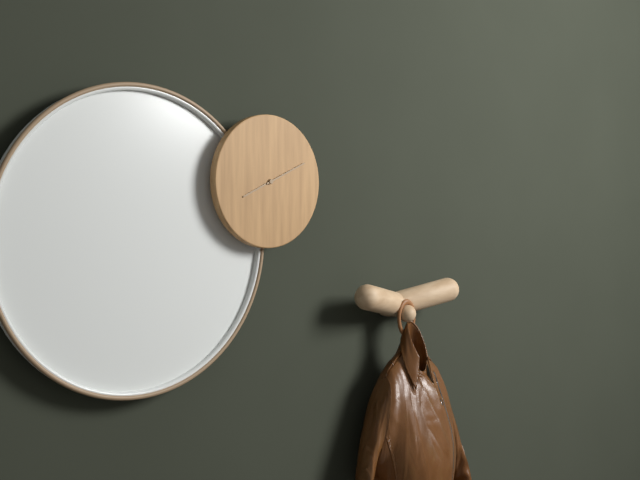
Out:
h=8 m=11
